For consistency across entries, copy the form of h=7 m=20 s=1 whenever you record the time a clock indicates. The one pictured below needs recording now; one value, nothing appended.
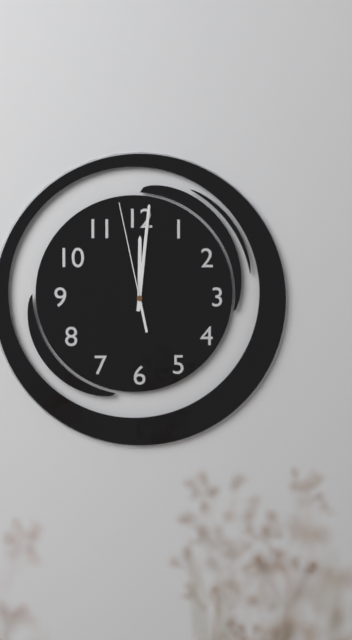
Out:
h=12 m=1 s=58
